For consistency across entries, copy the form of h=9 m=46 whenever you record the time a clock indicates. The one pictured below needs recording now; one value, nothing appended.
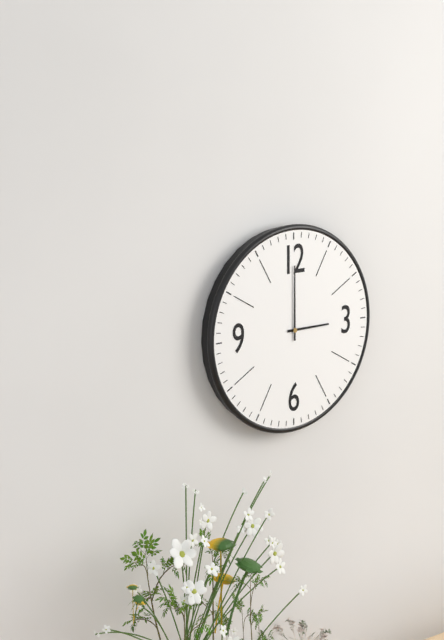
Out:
h=3 m=0
